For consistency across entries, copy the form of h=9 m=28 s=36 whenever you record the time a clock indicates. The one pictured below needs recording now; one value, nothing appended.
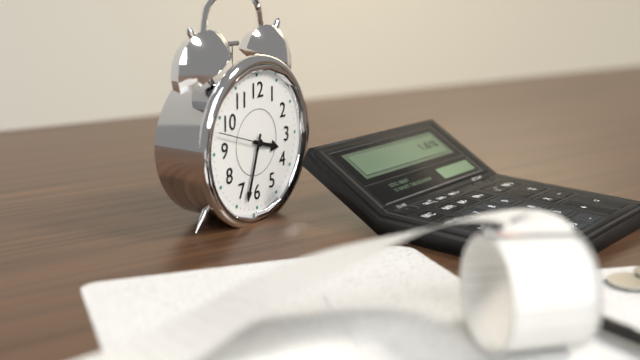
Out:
h=3 m=33 s=48
